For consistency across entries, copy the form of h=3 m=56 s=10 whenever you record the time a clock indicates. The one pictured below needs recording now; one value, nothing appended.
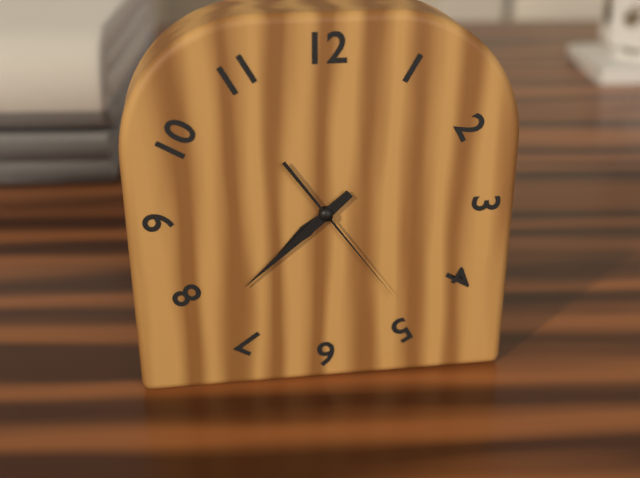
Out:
h=7 m=38 s=24
